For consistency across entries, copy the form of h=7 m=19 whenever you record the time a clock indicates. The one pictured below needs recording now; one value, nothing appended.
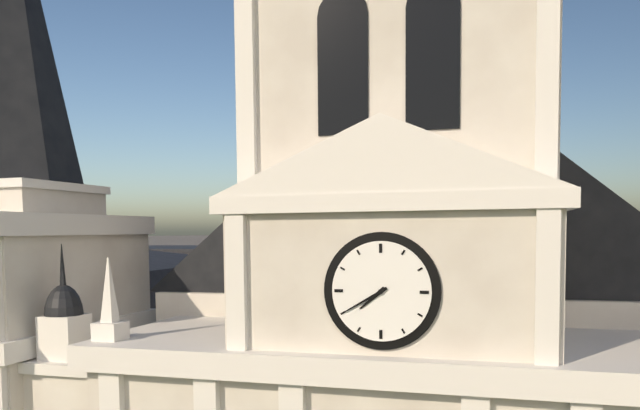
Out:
h=7 m=40
